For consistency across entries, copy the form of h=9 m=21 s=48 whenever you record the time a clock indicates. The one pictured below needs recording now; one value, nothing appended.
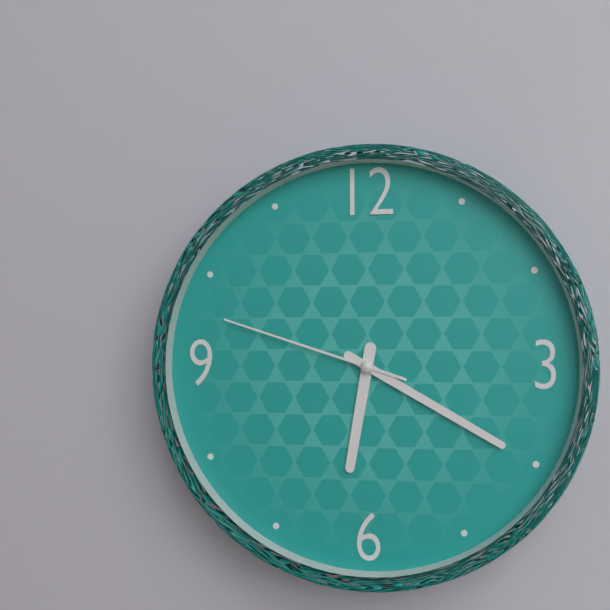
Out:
h=6 m=20 s=48
